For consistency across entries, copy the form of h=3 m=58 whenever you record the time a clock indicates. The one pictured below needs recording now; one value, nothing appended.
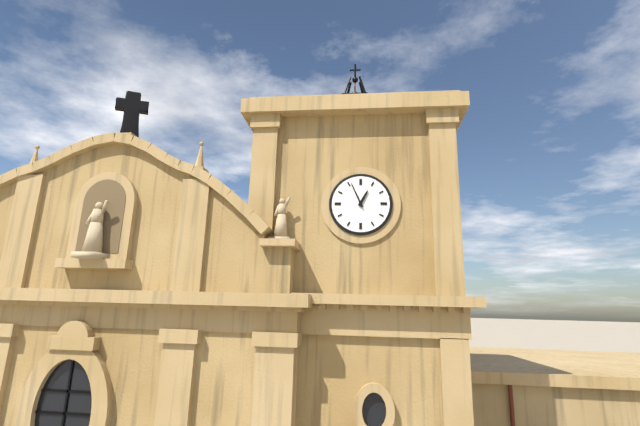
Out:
h=12 m=56
